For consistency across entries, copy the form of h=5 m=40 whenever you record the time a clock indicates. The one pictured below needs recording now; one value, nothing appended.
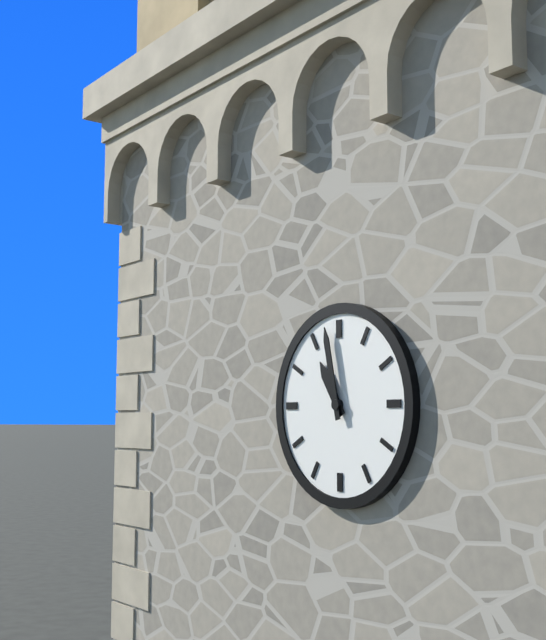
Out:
h=10 m=58
